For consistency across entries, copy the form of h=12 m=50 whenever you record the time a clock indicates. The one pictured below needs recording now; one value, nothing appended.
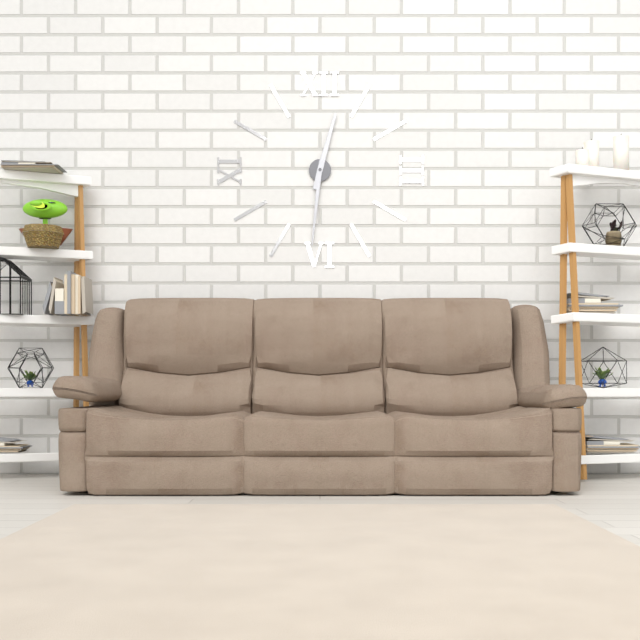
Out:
h=12 m=31
